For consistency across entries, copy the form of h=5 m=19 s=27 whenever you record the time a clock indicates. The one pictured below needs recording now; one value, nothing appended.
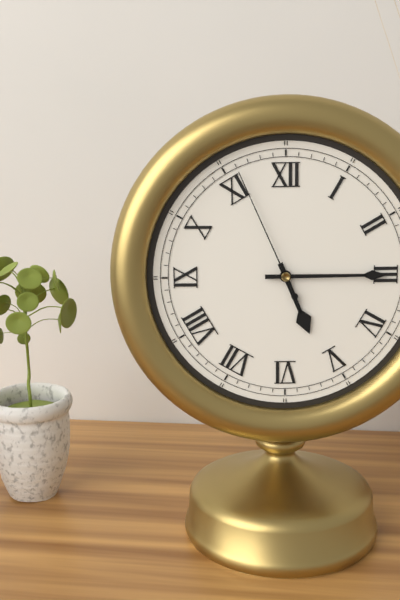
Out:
h=5 m=15 s=56
